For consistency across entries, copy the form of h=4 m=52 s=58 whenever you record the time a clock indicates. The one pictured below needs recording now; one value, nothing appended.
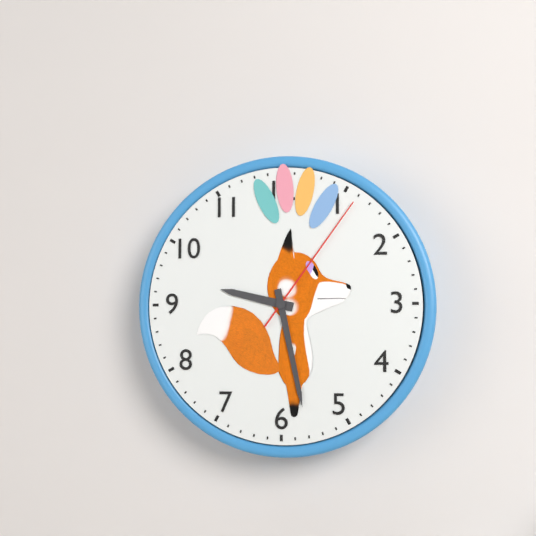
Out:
h=9 m=28 s=6
